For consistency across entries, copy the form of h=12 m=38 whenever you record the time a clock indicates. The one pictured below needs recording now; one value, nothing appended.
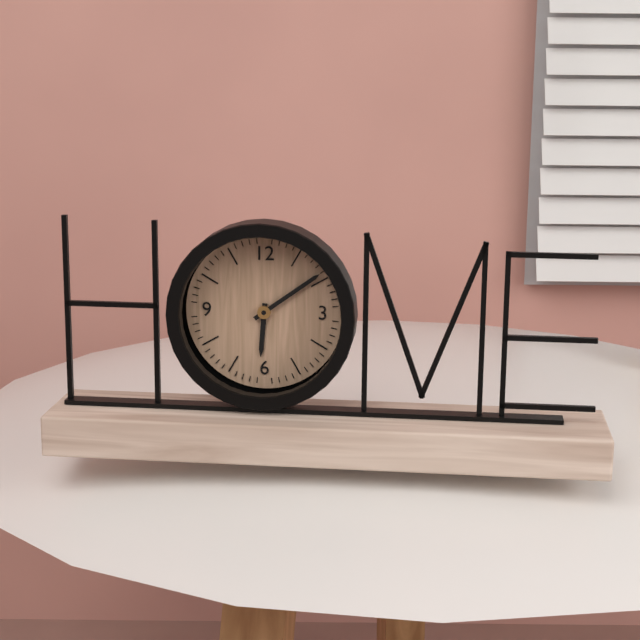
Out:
h=6 m=9
